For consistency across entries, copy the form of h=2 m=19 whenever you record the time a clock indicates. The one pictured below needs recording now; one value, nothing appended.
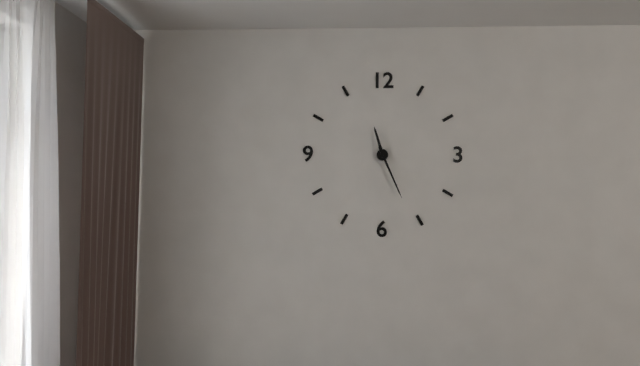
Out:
h=11 m=26
